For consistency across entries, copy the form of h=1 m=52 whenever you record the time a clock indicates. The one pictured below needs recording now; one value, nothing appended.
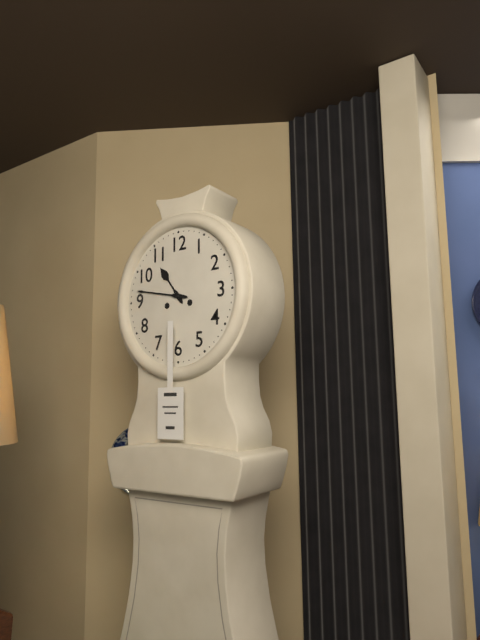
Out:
h=10 m=47
